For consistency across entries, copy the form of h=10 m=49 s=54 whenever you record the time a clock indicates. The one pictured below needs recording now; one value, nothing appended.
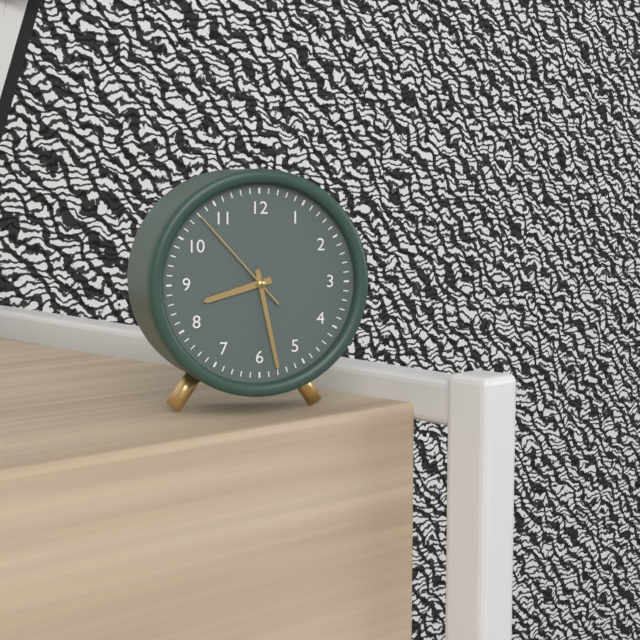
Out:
h=8 m=28 s=53
